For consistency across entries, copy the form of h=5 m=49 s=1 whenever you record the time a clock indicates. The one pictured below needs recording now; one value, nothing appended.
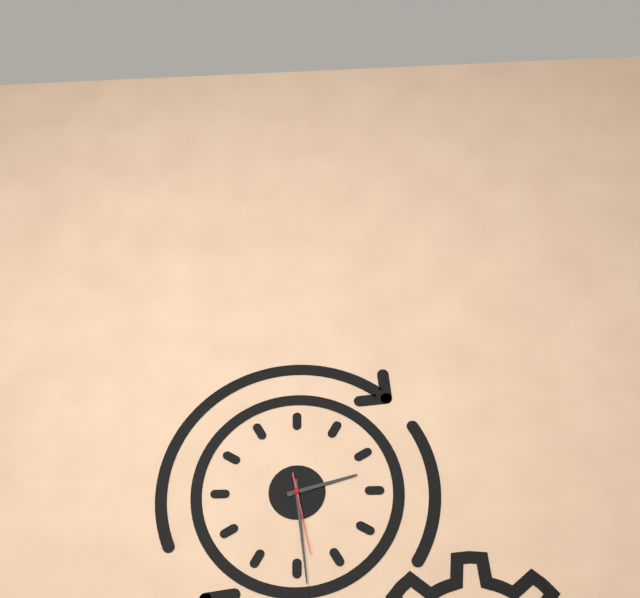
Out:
h=2 m=29 s=28
